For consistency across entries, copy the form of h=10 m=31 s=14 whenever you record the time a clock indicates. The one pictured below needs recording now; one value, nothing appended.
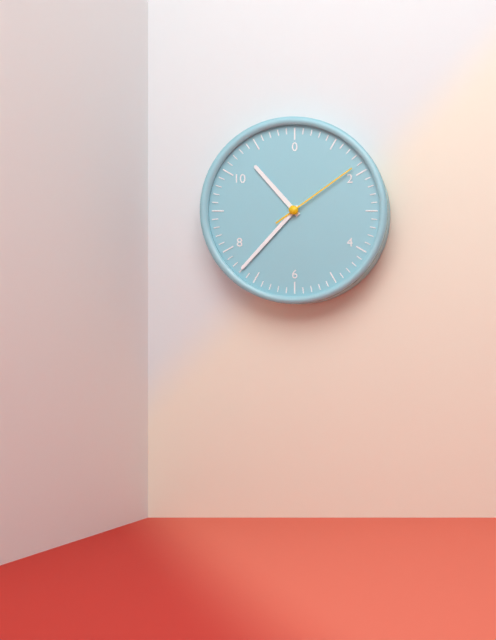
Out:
h=10 m=37 s=9
